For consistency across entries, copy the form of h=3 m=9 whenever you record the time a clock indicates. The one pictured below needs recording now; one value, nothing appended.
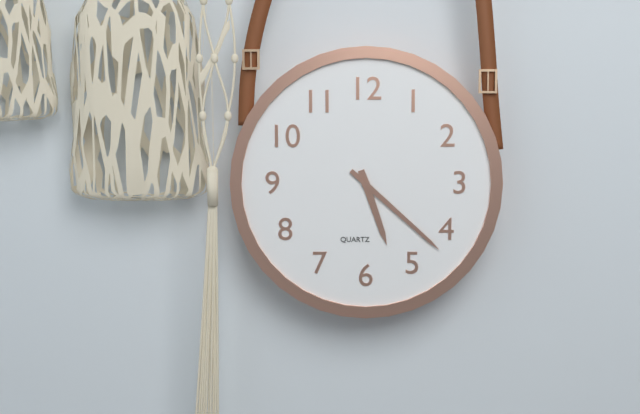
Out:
h=5 m=22
